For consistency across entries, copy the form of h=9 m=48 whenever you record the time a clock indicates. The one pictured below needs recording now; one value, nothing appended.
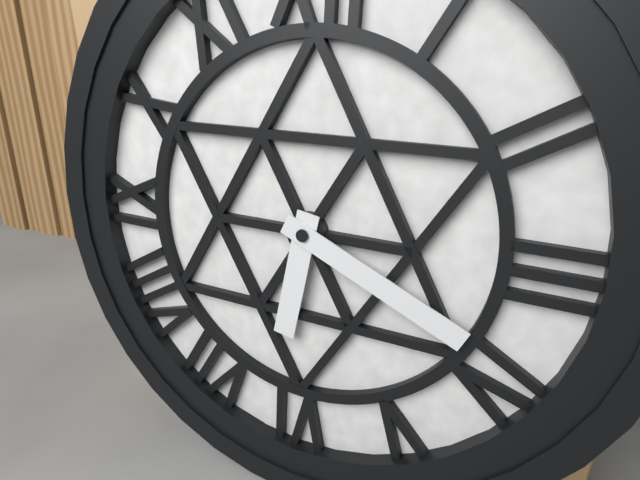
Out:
h=6 m=19
